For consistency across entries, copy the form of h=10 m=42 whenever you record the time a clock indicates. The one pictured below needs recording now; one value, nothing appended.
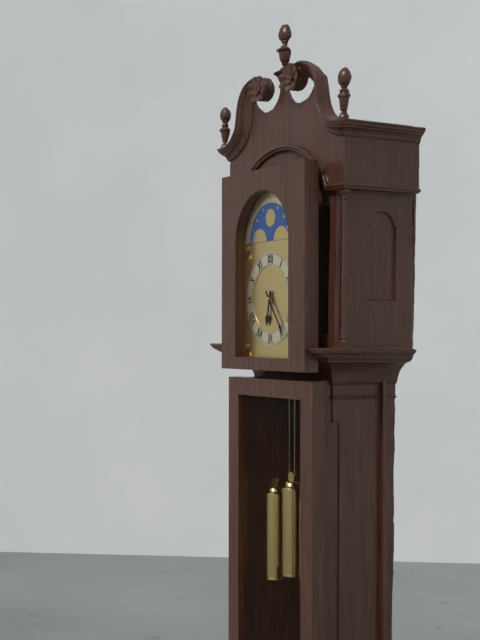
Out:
h=6 m=24
